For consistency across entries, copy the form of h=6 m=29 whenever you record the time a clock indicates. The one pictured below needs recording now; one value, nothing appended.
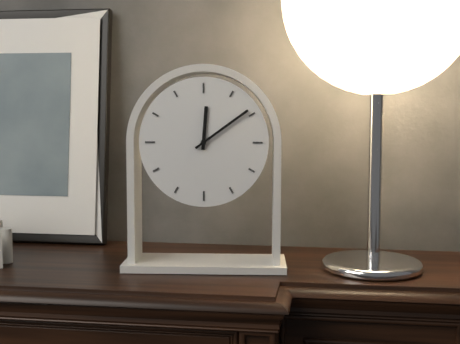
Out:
h=12 m=9
